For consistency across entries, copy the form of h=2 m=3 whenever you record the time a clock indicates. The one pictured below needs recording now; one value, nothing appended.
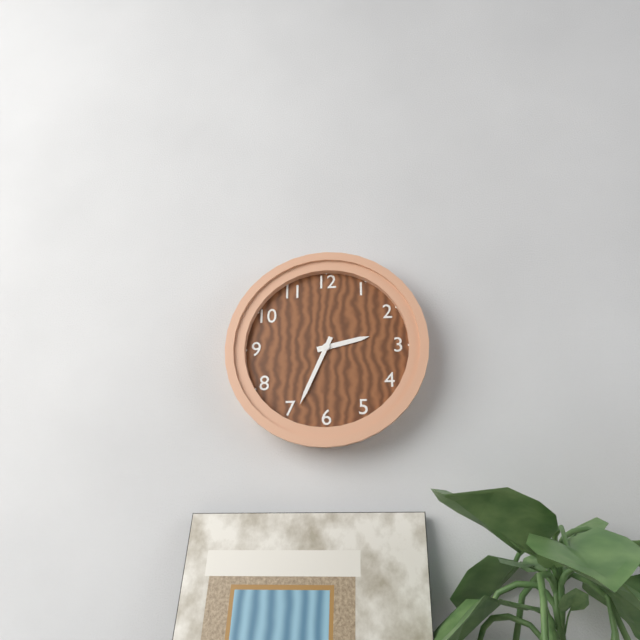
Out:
h=2 m=34
